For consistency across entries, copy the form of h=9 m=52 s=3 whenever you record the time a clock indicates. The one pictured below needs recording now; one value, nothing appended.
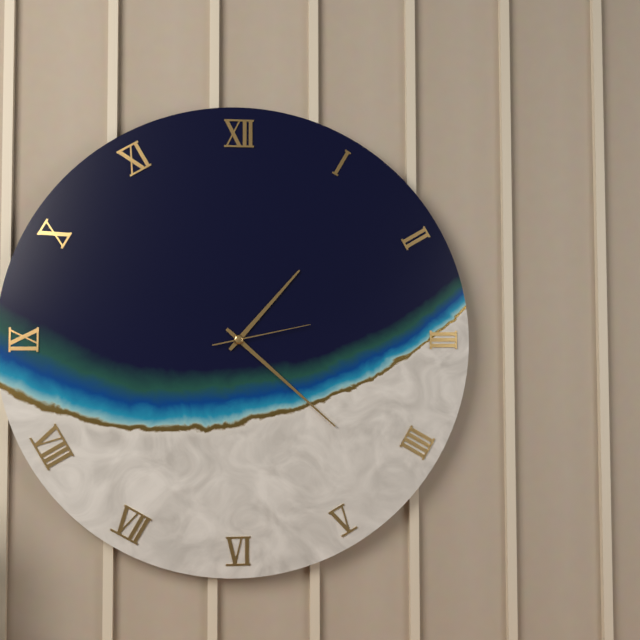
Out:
h=1 m=22 s=13
